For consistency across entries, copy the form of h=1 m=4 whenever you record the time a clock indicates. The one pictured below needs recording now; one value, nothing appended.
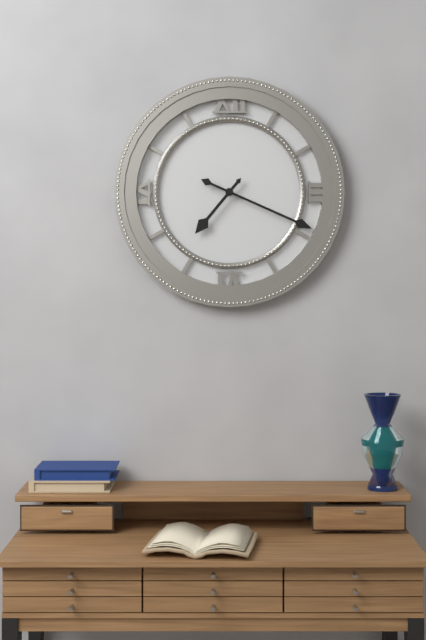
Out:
h=7 m=19
